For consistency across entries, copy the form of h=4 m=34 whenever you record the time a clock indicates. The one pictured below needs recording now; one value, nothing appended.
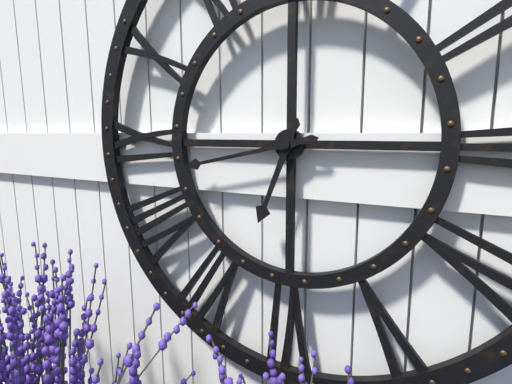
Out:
h=6 m=43
